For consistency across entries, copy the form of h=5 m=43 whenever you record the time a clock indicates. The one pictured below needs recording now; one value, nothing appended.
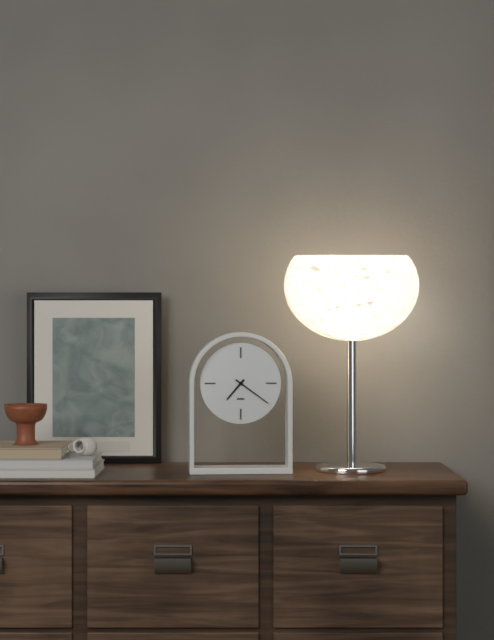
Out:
h=7 m=21
